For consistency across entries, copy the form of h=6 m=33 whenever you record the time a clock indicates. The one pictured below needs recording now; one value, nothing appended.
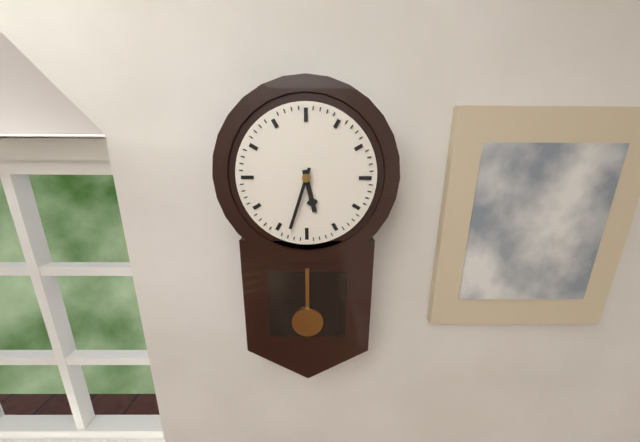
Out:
h=5 m=33
